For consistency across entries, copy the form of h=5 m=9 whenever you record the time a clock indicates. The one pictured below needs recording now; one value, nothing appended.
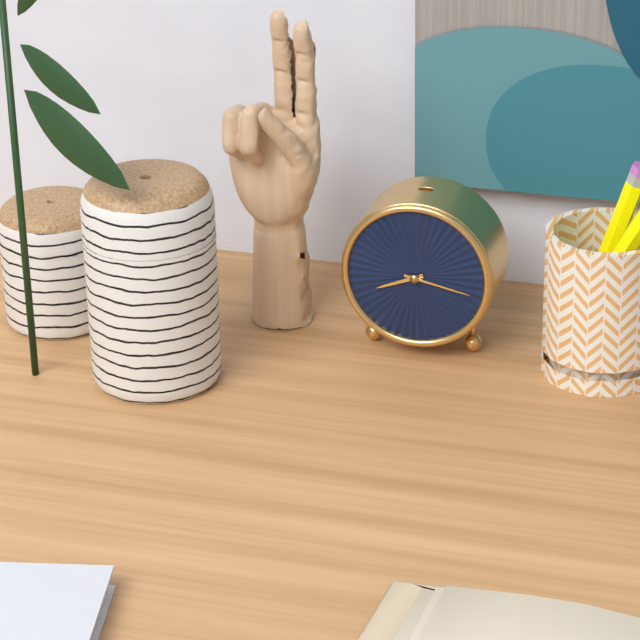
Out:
h=8 m=17
